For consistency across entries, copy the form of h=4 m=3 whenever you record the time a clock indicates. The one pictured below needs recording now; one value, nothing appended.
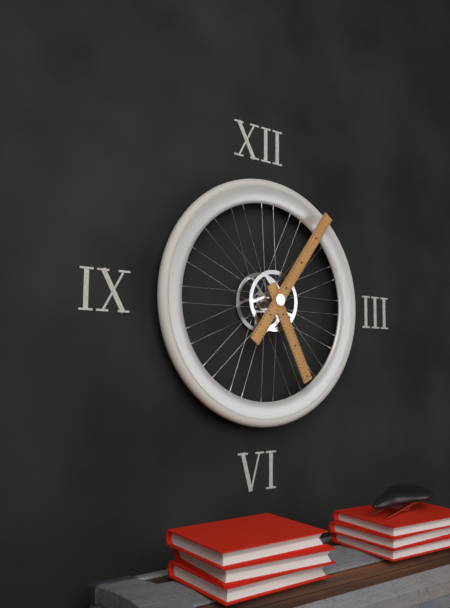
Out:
h=5 m=6
